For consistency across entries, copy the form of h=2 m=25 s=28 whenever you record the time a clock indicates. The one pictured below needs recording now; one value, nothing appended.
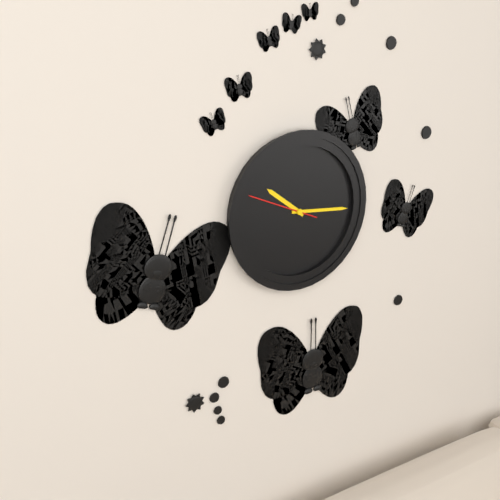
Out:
h=10 m=16 s=49
